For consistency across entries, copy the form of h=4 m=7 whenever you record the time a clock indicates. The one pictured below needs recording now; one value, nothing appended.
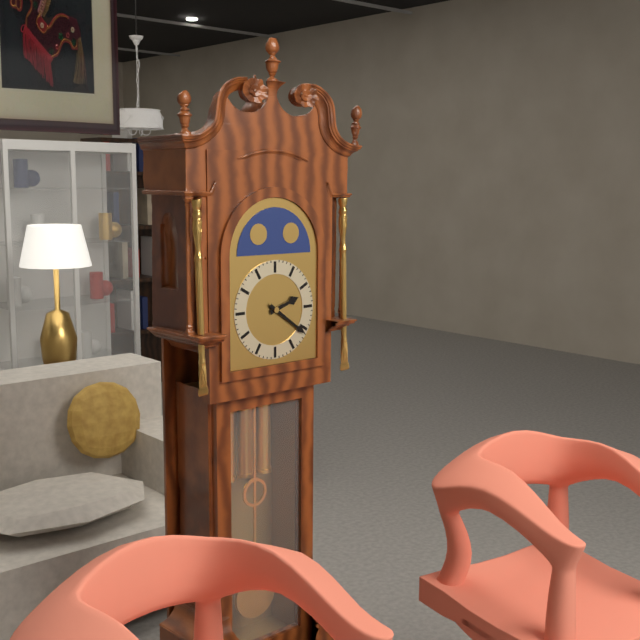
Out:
h=2 m=21
